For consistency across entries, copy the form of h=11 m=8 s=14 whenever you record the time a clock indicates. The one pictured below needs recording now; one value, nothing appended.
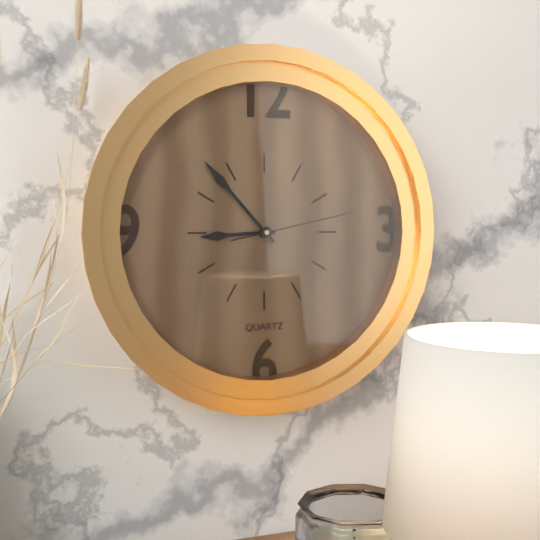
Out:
h=8 m=53 s=13
